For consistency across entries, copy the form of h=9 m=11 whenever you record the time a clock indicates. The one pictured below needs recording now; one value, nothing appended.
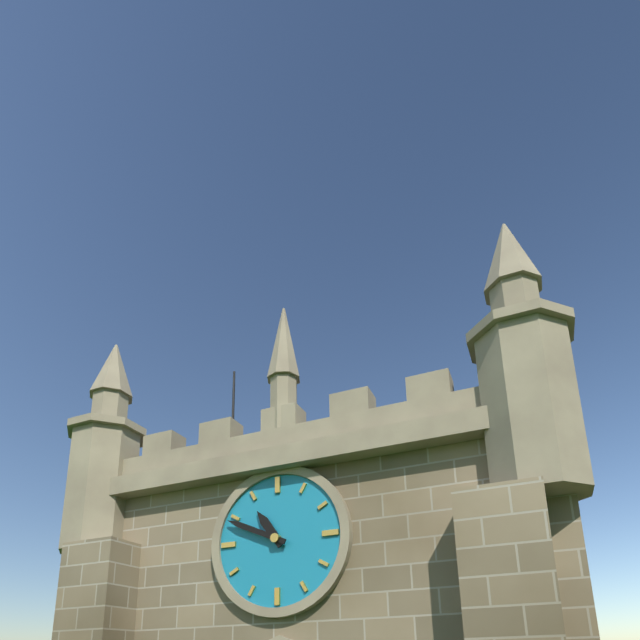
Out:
h=10 m=49
